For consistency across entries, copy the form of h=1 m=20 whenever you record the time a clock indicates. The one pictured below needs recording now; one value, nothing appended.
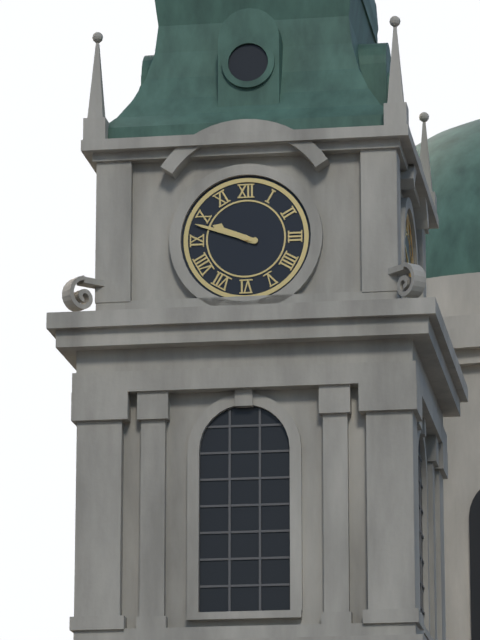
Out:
h=9 m=48
